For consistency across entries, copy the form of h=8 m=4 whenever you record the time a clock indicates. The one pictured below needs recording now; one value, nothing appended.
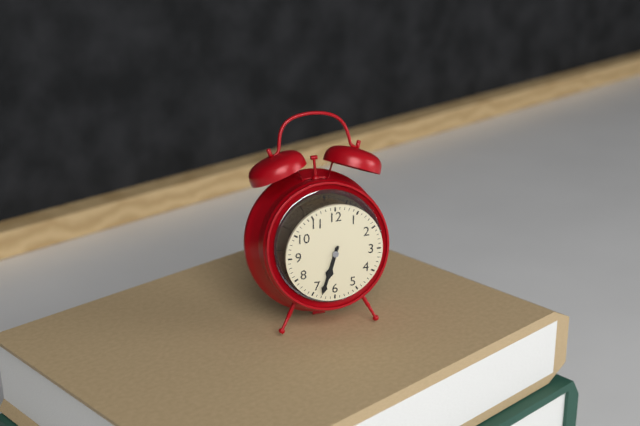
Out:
h=6 m=33
